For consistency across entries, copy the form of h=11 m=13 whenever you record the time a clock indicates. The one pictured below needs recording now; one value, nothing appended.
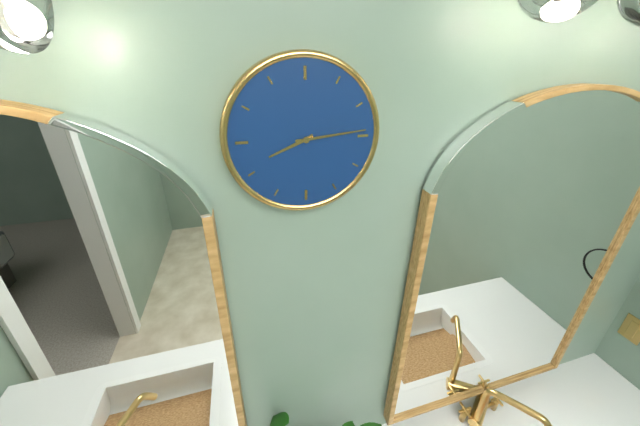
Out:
h=8 m=14
